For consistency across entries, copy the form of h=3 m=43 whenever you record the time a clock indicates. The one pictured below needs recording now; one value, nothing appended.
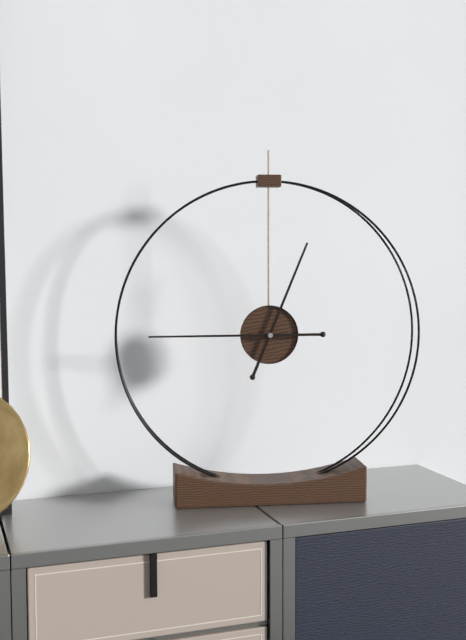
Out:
h=12 m=45
